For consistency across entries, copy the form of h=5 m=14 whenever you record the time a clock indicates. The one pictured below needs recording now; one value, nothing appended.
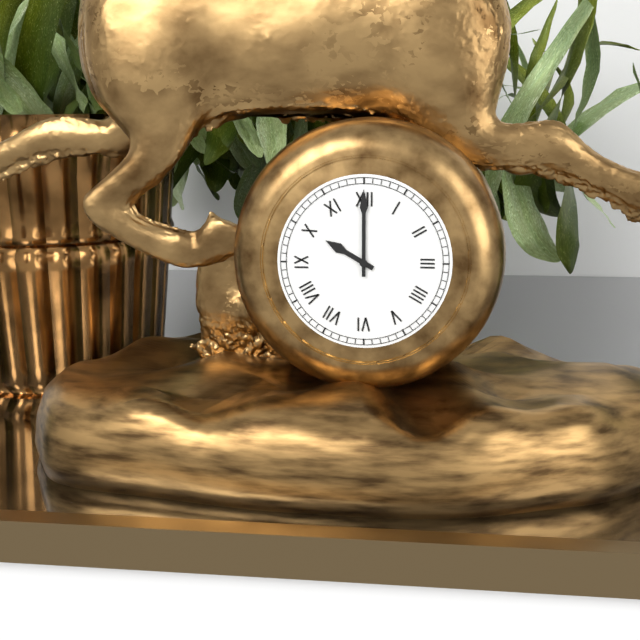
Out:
h=10 m=0
